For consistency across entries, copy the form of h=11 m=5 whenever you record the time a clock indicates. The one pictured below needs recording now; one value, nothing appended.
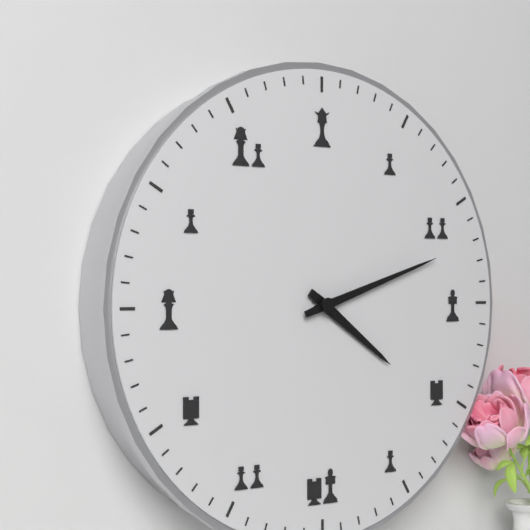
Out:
h=4 m=12
